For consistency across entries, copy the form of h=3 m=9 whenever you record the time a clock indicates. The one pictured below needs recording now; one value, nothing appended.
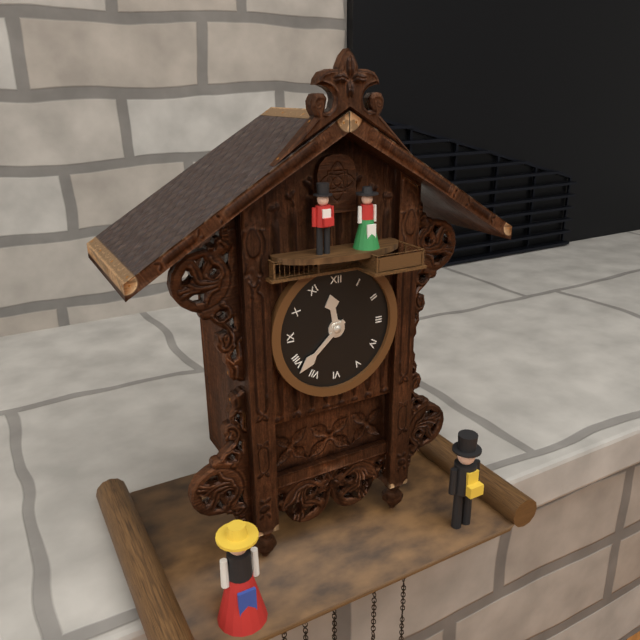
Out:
h=11 m=38
